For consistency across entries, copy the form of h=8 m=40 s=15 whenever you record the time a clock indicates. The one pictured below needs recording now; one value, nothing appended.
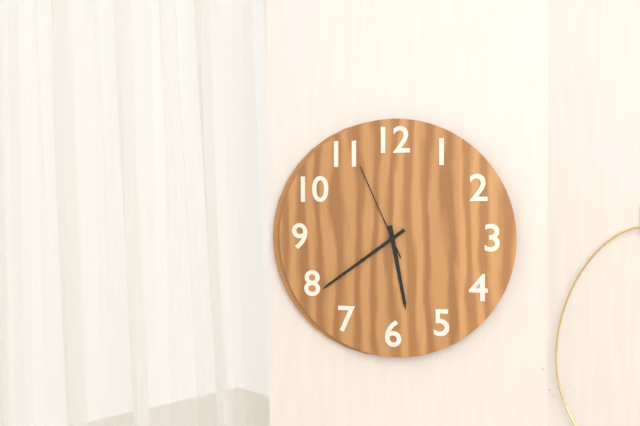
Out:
h=5 m=39 s=56
